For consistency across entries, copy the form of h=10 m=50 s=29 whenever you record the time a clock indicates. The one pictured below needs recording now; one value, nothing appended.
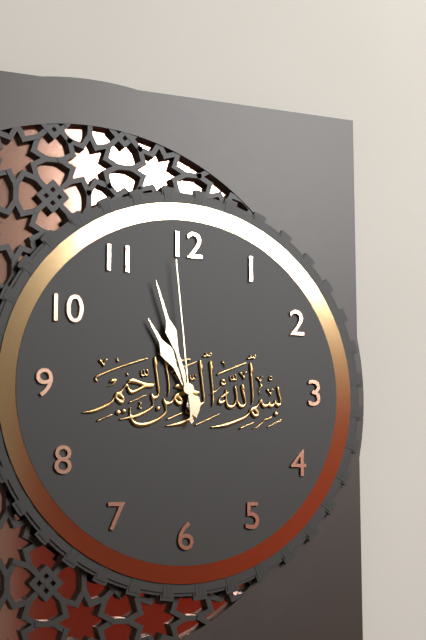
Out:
h=10 m=57 s=59
